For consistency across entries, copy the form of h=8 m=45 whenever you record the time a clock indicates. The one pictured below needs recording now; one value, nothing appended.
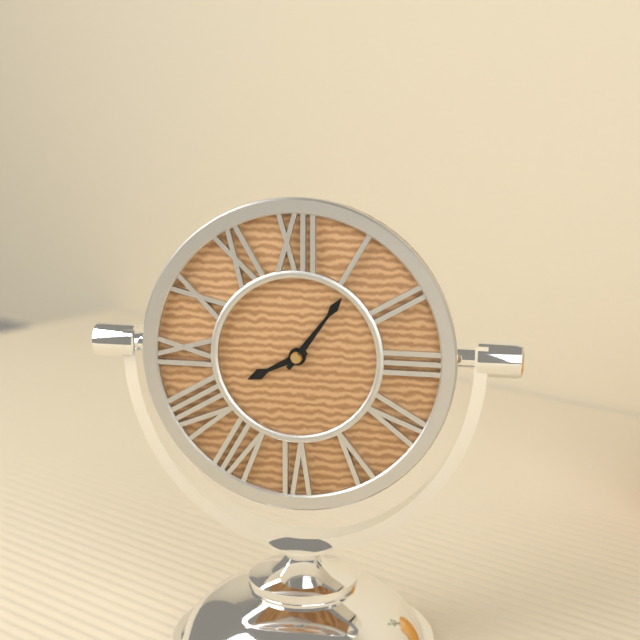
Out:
h=8 m=6
